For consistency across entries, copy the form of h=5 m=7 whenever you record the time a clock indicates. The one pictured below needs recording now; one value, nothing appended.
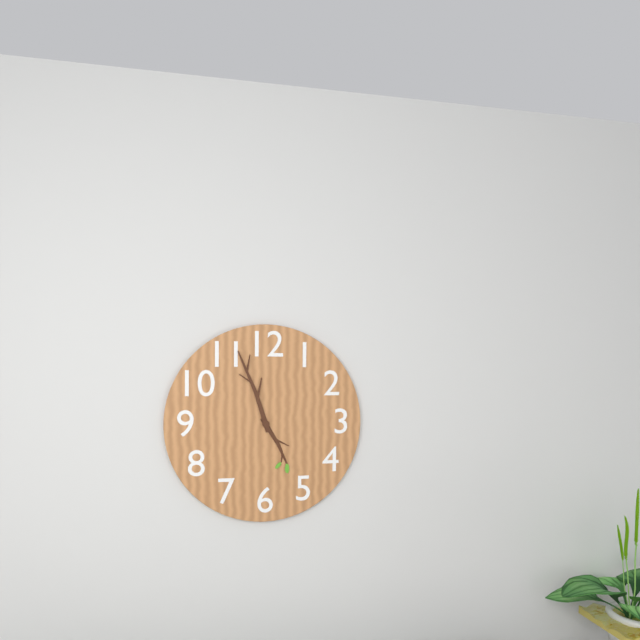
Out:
h=4 m=57
